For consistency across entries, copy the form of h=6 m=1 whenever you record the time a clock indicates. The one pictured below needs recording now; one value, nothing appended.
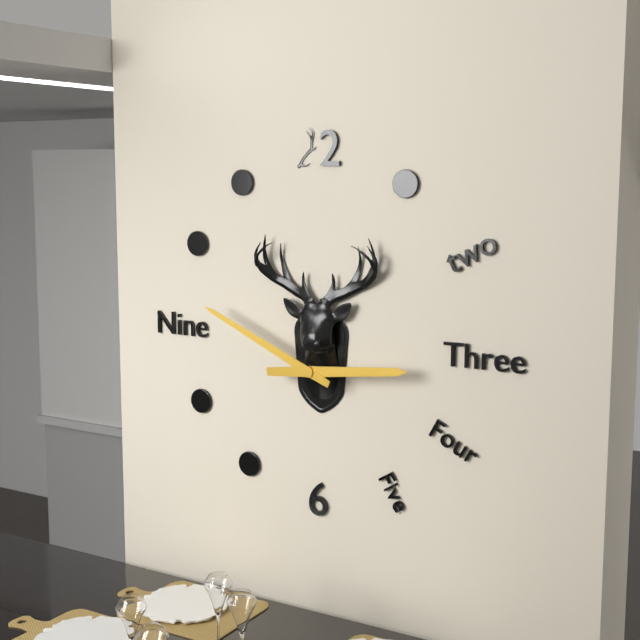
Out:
h=2 m=49
